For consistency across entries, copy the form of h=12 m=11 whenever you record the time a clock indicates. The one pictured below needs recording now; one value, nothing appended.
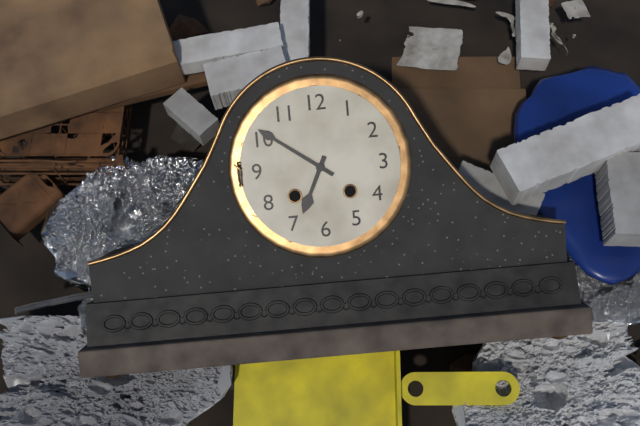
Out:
h=6 m=51
